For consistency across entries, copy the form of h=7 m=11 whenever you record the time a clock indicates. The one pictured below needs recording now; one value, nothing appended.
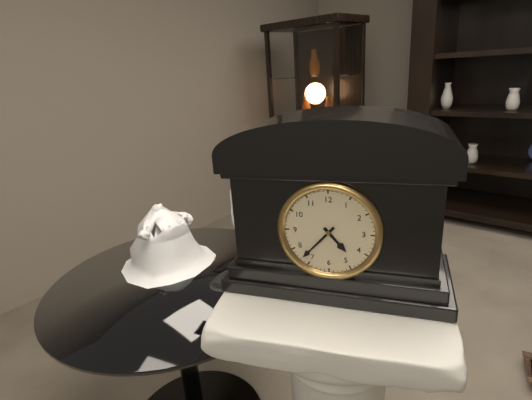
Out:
h=4 m=37
